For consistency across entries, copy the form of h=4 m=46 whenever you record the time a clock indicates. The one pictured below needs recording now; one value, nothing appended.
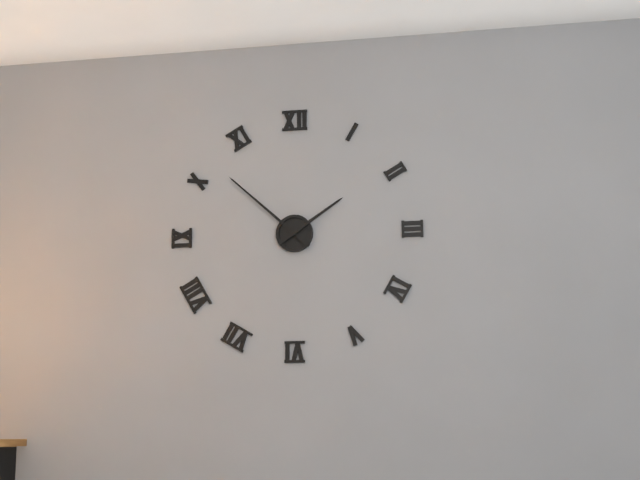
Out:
h=1 m=52
